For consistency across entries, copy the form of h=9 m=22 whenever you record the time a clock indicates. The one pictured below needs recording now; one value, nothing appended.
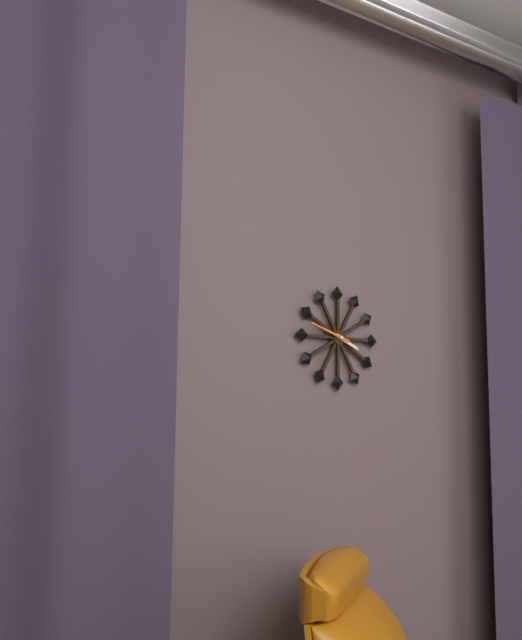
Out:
h=3 m=48
